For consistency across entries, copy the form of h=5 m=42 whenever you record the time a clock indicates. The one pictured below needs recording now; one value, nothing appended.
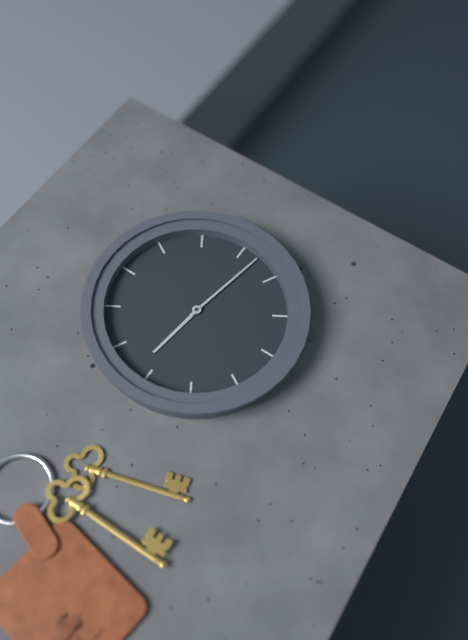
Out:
h=9 m=17
